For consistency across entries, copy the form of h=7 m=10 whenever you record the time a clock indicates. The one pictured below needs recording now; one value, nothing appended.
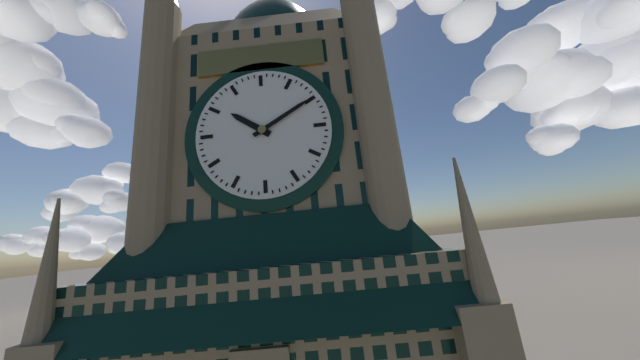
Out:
h=10 m=10
